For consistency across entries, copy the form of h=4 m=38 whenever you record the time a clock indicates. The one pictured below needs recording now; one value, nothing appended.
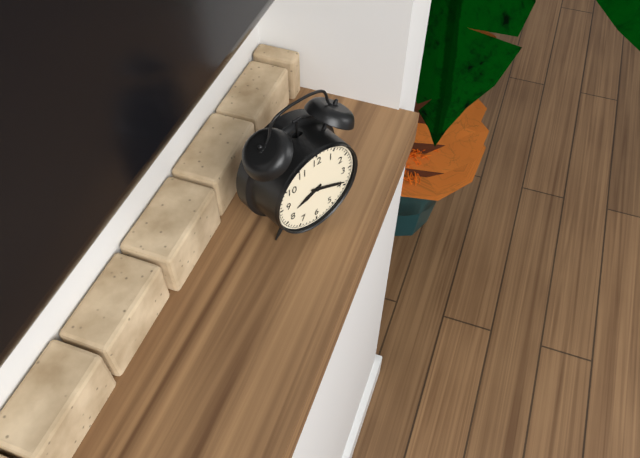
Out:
h=8 m=19
